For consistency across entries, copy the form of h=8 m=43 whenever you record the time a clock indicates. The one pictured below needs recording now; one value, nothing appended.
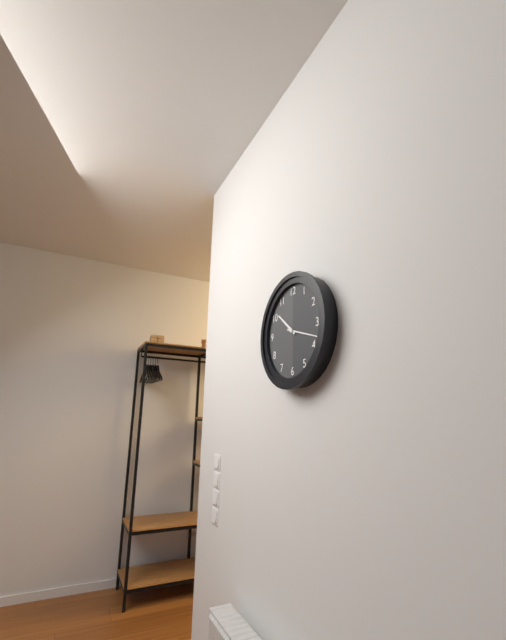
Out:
h=10 m=18
